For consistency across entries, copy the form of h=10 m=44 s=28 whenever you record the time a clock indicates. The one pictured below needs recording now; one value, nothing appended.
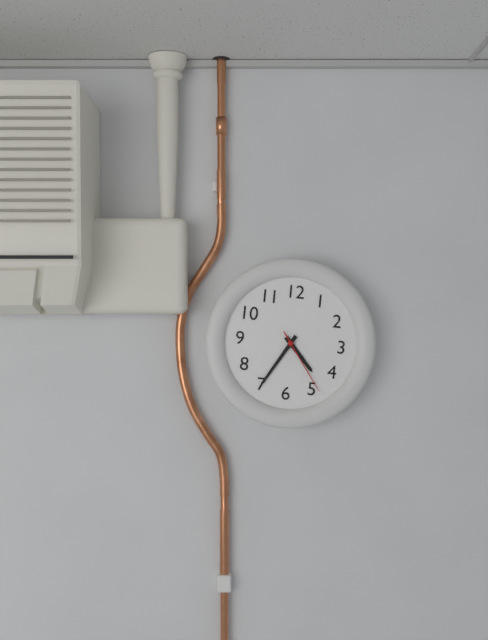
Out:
h=4 m=35 s=24
